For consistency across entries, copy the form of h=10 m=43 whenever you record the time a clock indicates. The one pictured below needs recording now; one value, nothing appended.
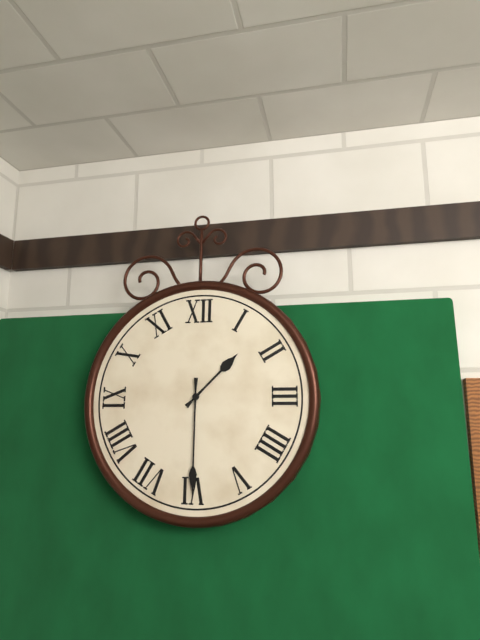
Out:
h=1 m=30
